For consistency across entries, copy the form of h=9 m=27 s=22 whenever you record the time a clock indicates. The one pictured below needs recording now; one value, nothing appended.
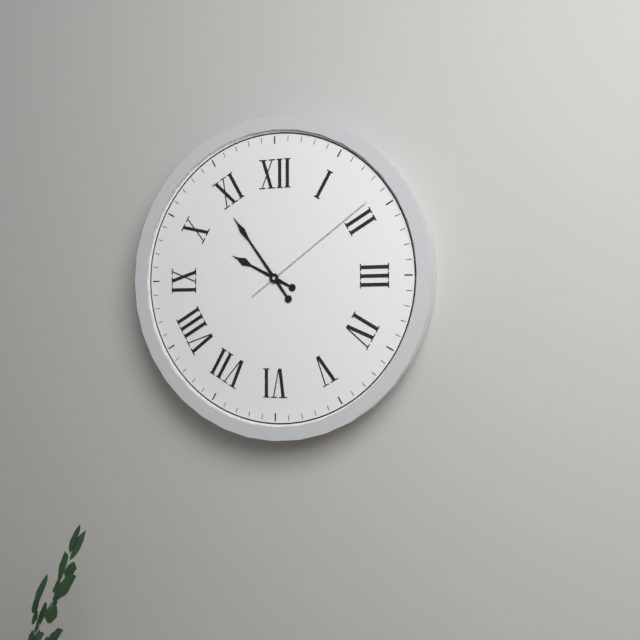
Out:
h=9 m=54 s=9
